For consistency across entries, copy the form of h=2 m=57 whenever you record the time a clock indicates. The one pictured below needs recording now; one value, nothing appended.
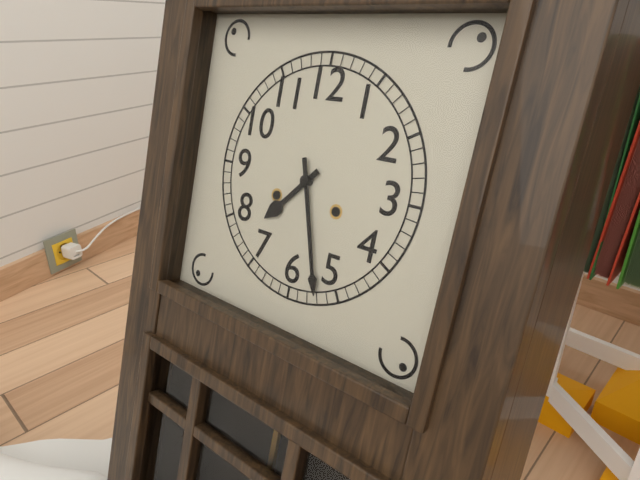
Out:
h=7 m=27
